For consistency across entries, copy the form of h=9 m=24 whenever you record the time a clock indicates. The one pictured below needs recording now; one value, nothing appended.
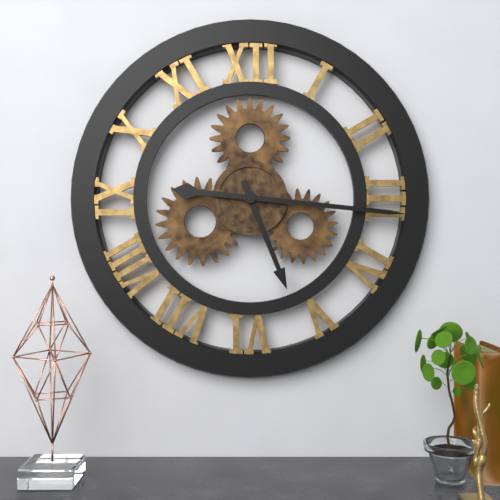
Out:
h=5 m=16
